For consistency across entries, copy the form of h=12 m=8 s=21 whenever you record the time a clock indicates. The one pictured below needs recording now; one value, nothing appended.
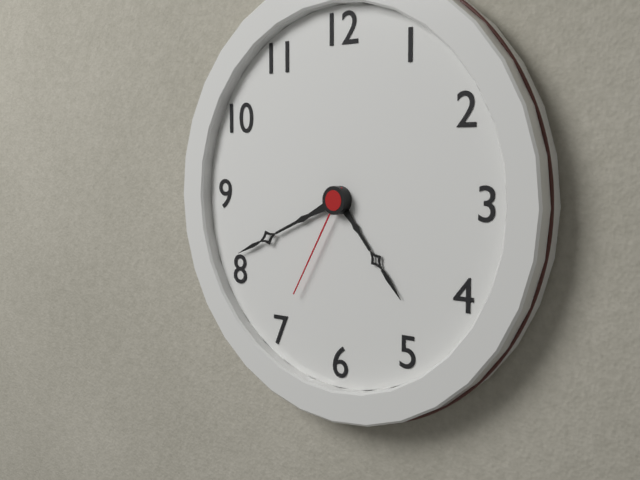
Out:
h=4 m=41 s=35
